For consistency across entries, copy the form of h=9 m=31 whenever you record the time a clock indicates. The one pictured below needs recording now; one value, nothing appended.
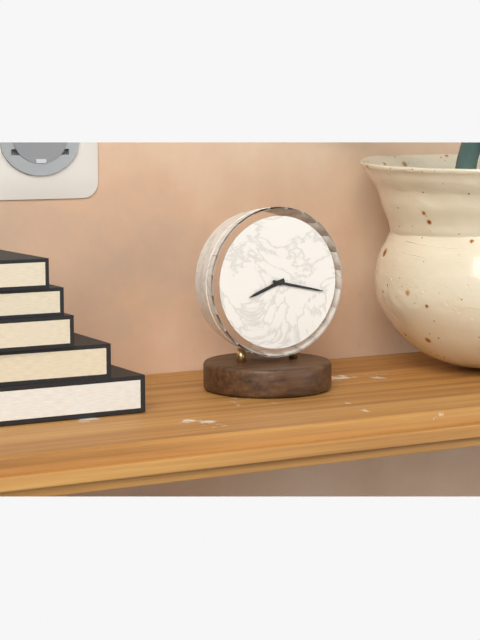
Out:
h=8 m=17
